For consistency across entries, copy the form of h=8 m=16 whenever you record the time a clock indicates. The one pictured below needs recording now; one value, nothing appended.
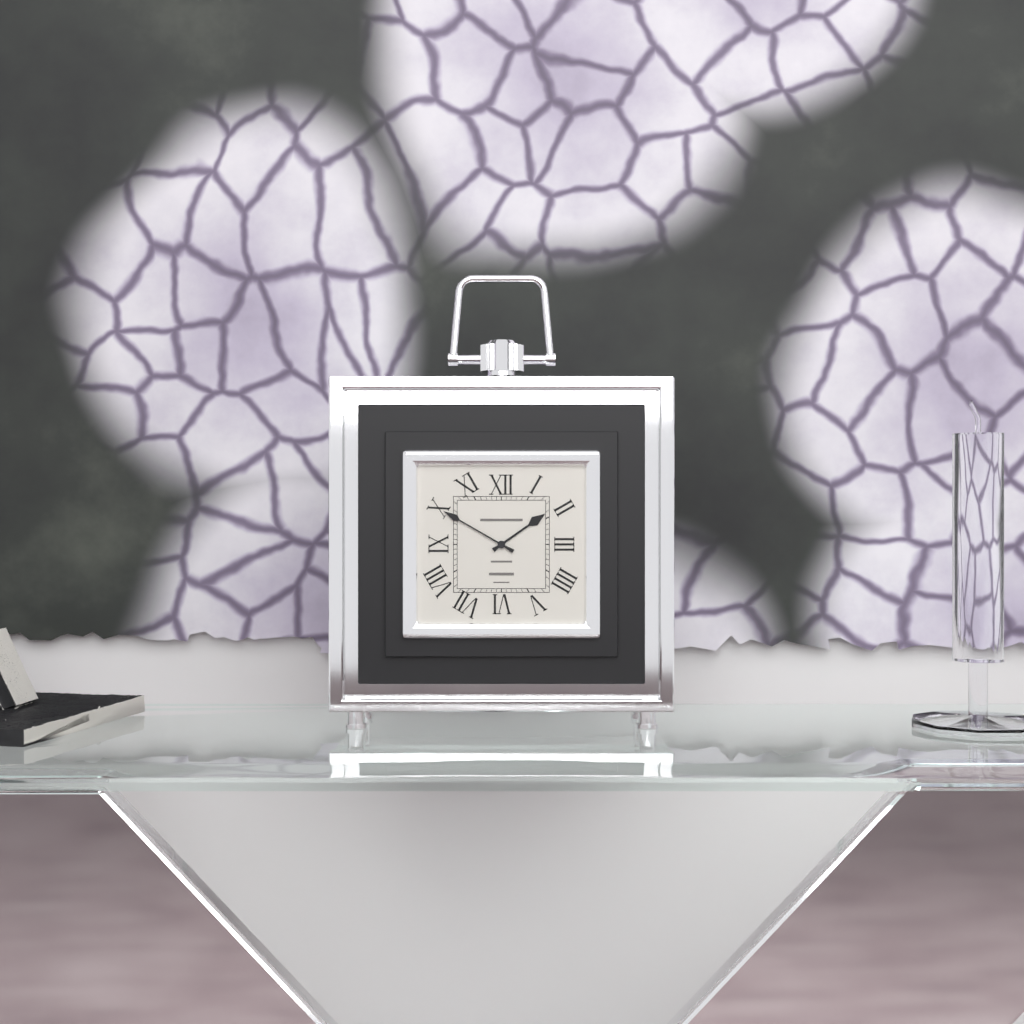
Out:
h=1 m=50
